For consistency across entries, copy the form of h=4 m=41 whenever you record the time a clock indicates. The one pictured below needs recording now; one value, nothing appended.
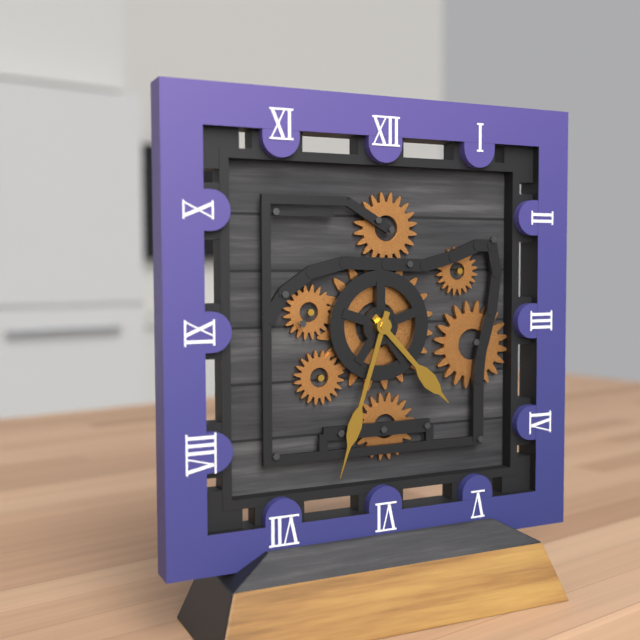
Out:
h=4 m=33
